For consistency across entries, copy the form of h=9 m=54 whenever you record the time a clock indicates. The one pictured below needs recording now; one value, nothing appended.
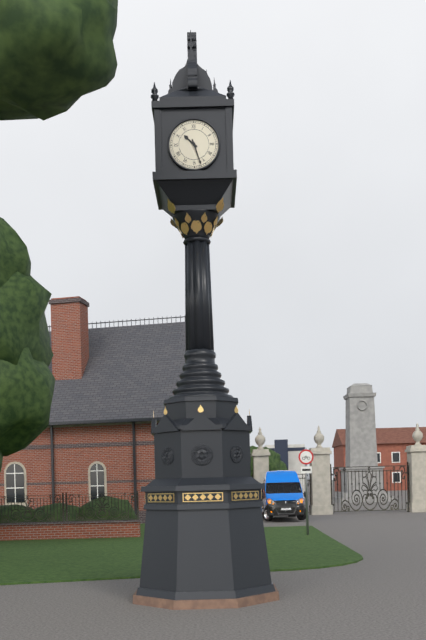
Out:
h=10 m=27
